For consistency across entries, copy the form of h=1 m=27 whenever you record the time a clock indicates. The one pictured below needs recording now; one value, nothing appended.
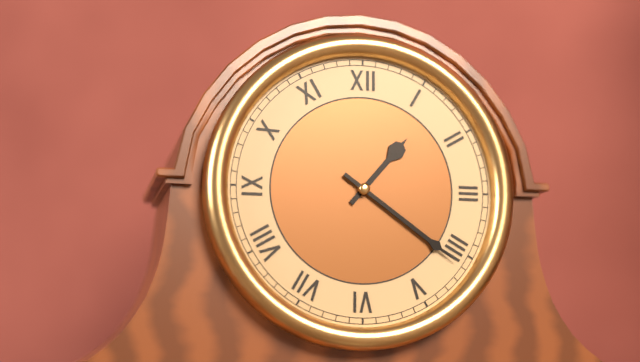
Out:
h=1 m=21
